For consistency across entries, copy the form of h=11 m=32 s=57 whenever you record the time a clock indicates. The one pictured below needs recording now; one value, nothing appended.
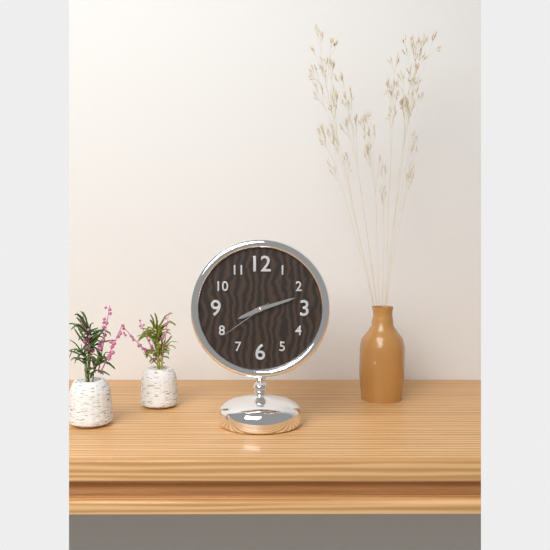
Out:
h=8 m=12 s=39
